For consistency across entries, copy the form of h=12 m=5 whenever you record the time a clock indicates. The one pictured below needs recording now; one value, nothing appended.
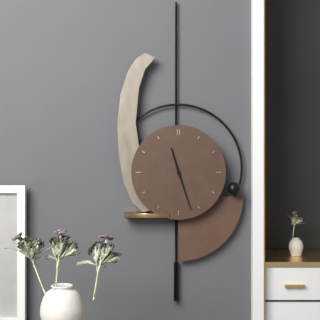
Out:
h=11 m=27
